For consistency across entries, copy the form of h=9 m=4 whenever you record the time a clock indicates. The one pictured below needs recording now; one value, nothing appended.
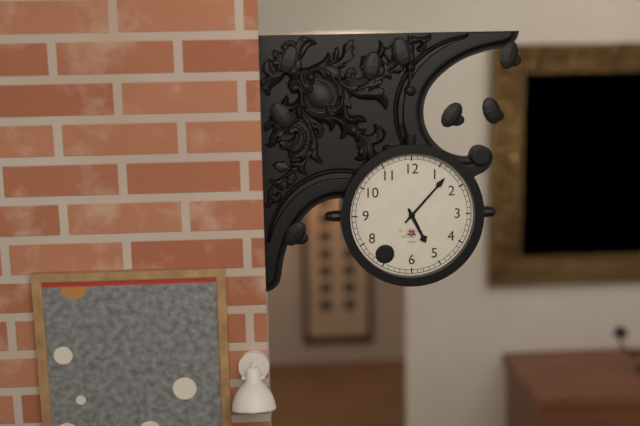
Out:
h=5 m=7
